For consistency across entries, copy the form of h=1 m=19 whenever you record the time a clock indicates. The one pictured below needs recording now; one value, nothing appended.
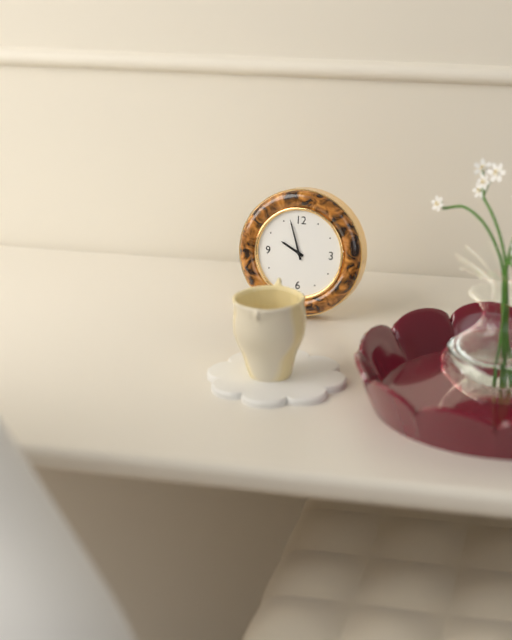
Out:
h=9 m=57
